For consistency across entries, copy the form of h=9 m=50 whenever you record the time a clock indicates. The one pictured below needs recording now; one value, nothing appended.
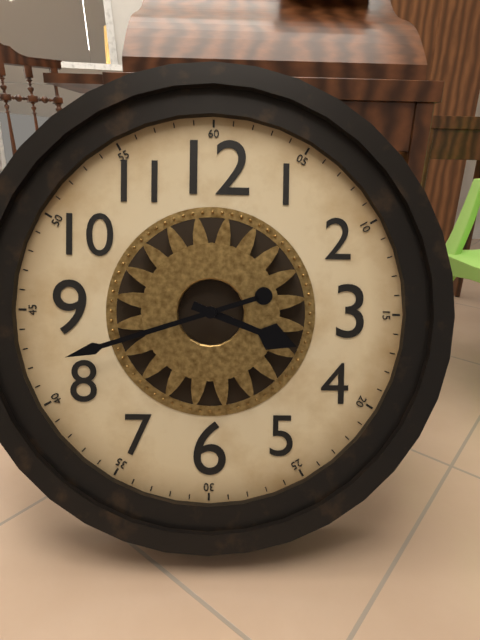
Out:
h=3 m=42
